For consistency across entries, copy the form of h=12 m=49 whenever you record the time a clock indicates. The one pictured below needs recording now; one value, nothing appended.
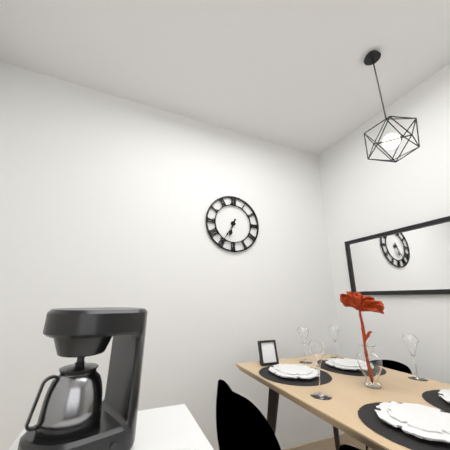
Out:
h=6 m=35
